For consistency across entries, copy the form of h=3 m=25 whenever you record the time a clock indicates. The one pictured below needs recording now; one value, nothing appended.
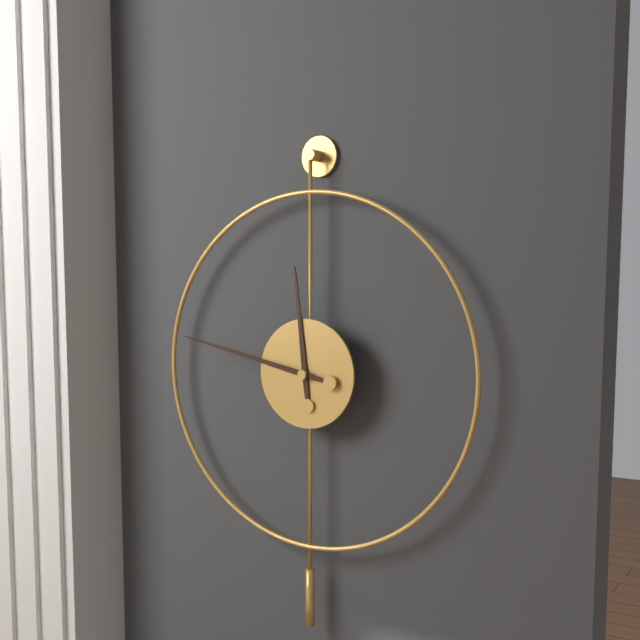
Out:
h=11 m=47
